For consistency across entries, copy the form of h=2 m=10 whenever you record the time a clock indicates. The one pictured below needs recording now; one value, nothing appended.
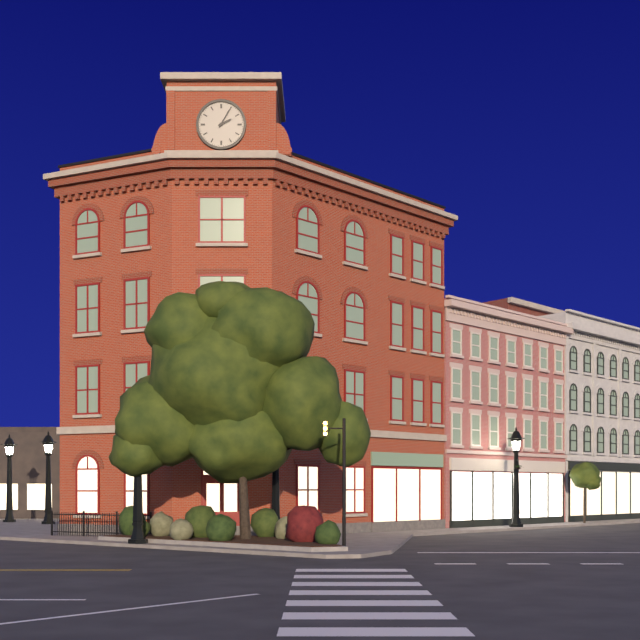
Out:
h=2 m=5
